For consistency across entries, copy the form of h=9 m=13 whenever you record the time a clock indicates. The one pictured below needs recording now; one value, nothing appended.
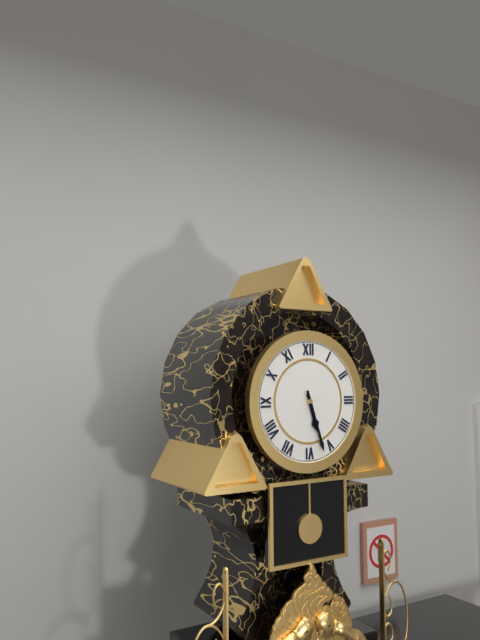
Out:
h=5 m=27
